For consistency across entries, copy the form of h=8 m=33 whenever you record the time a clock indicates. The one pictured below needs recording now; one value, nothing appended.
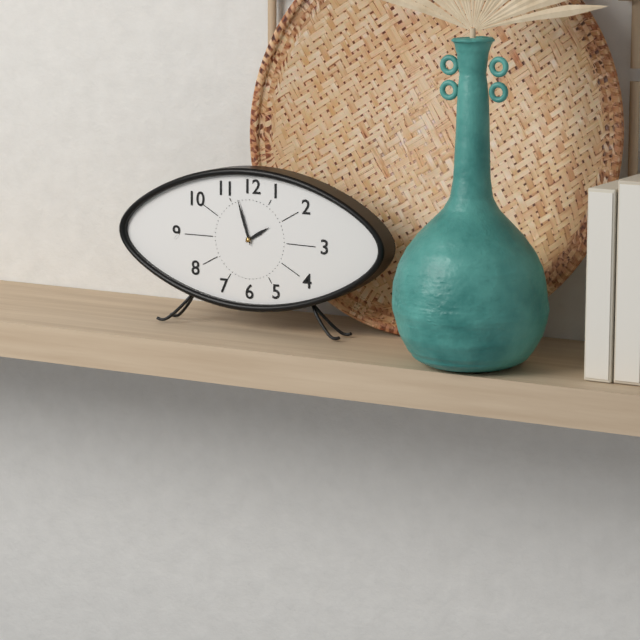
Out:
h=1 m=57
